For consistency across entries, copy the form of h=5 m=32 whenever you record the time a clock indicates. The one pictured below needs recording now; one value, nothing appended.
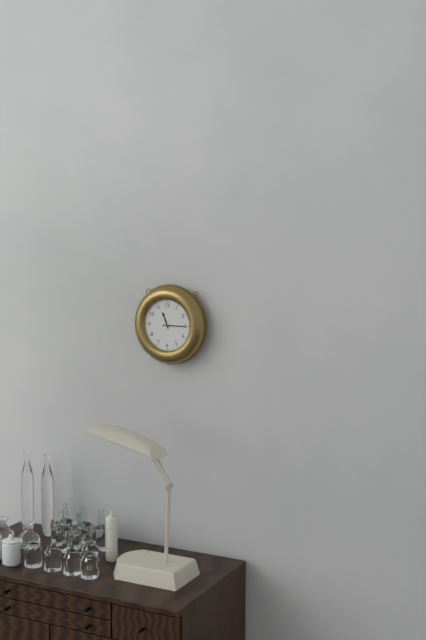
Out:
h=11 m=15
